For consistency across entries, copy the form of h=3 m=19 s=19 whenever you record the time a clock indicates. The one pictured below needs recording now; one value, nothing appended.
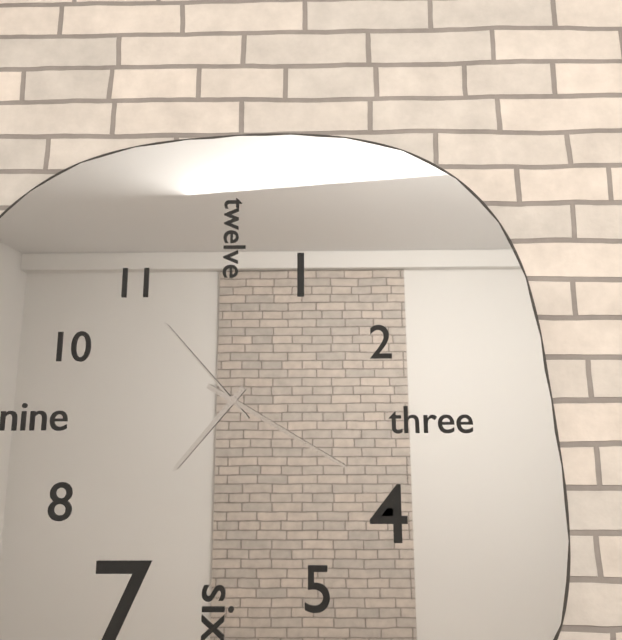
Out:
h=7 m=20 s=53
